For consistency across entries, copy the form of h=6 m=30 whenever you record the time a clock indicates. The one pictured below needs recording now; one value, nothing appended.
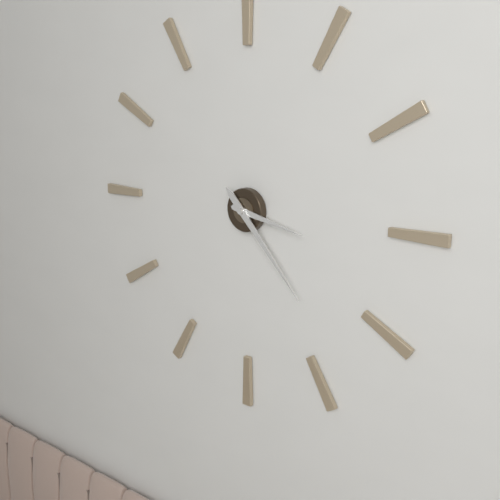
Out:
h=3 m=23
